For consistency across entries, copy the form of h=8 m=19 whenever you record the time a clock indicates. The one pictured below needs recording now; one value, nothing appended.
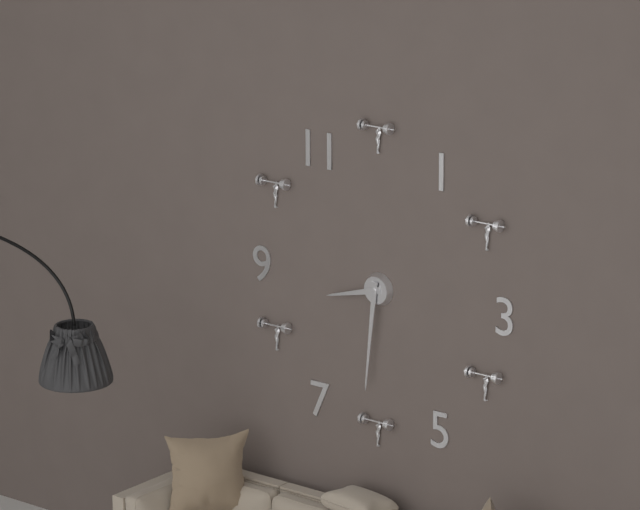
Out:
h=8 m=31
